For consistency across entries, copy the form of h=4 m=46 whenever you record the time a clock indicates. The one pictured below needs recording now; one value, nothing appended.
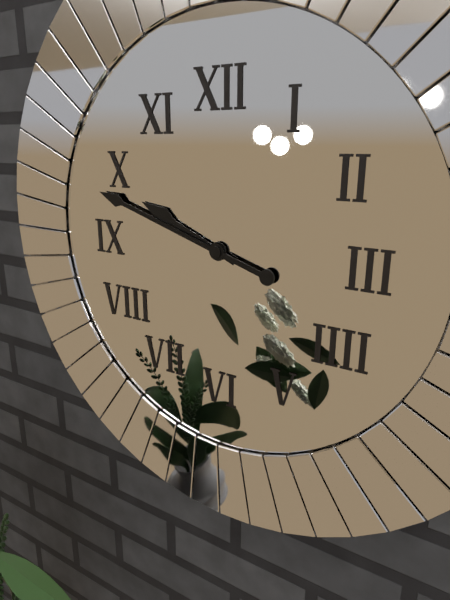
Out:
h=9 m=48
